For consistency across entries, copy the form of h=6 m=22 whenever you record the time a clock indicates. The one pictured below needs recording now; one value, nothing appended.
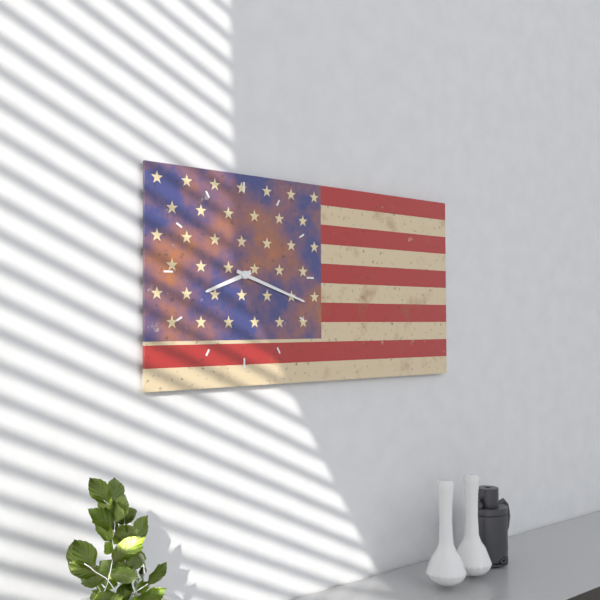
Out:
h=8 m=18
